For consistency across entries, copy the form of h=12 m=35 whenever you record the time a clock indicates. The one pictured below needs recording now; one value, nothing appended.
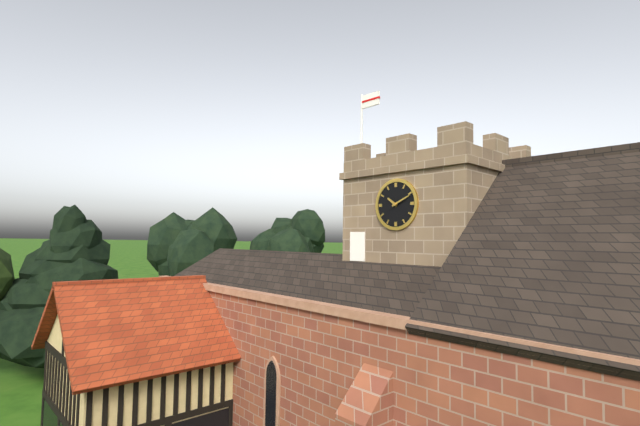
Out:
h=10 m=11
